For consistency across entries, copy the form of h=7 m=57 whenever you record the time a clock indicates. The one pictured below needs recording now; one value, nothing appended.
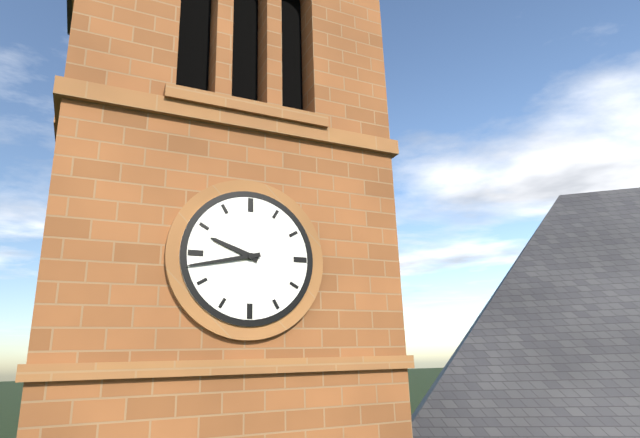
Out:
h=9 m=43
